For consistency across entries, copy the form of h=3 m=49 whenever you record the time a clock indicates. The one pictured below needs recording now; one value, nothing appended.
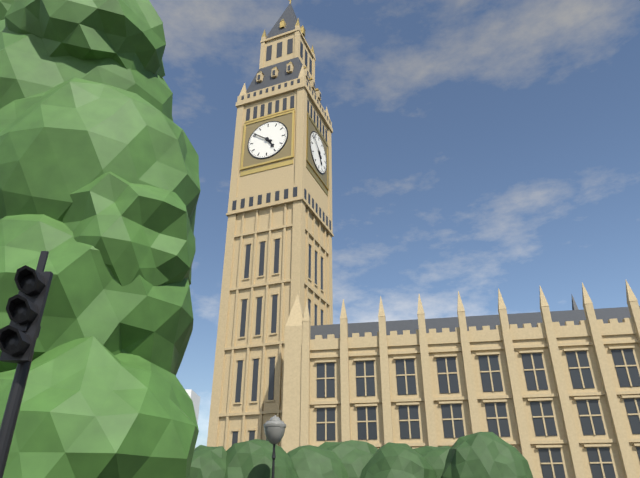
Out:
h=4 m=51
